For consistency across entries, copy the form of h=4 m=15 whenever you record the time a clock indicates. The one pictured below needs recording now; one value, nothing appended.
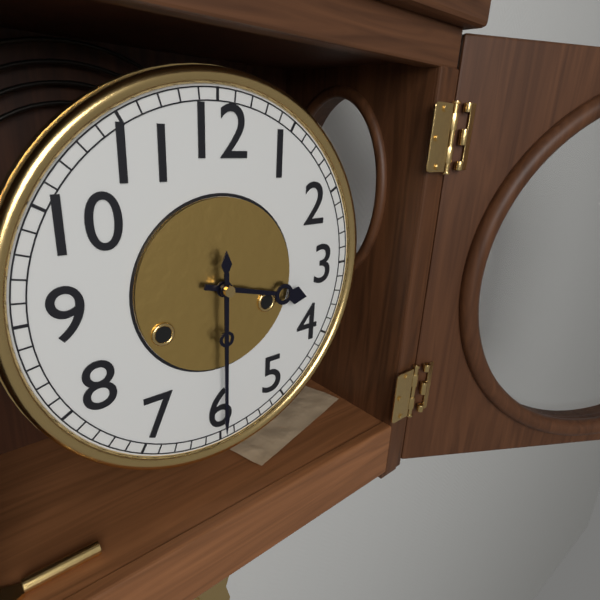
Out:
h=3 m=30
